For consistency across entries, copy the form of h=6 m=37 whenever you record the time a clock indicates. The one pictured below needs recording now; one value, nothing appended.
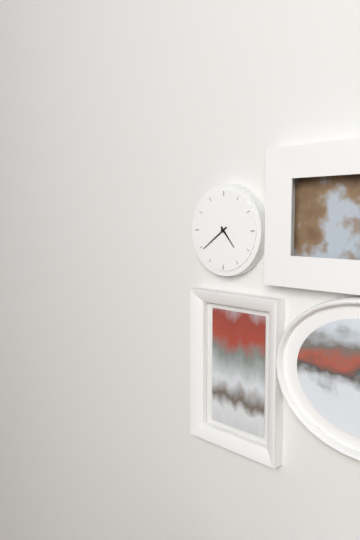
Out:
h=4 m=39
